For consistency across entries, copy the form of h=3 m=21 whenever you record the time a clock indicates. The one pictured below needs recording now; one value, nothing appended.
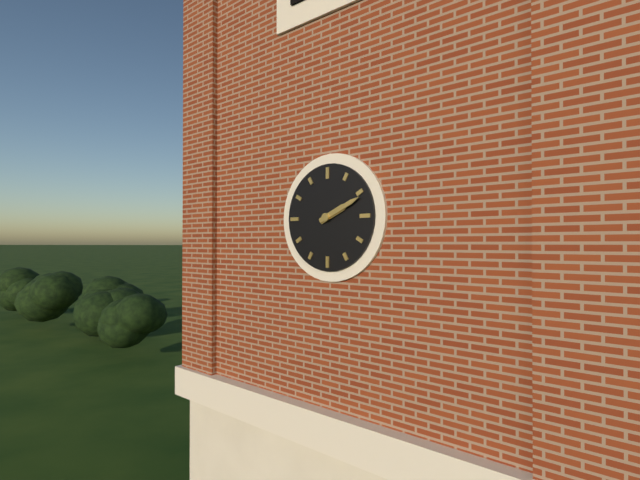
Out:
h=2 m=11
